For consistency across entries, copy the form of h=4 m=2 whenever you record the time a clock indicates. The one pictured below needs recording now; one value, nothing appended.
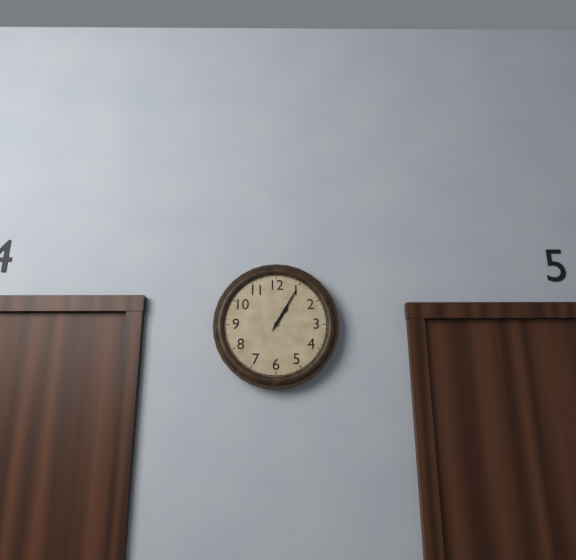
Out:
h=1 m=5
